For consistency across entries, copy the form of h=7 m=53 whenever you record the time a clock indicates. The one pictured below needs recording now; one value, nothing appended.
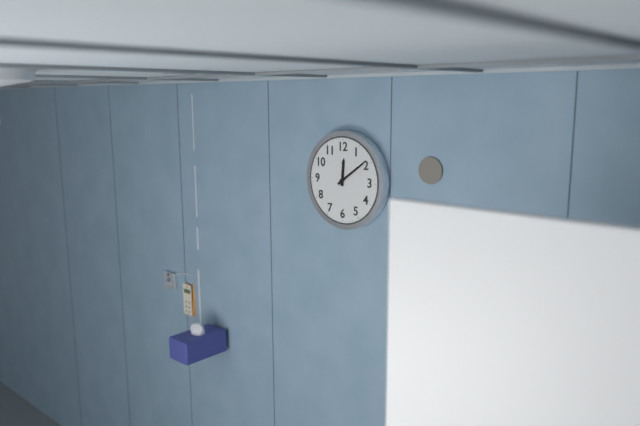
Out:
h=12 m=9
